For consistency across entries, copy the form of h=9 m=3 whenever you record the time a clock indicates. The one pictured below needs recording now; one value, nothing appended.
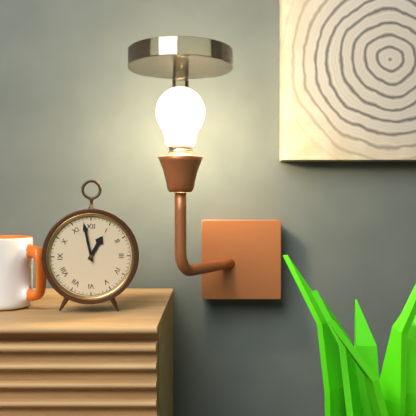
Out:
h=12 m=58
